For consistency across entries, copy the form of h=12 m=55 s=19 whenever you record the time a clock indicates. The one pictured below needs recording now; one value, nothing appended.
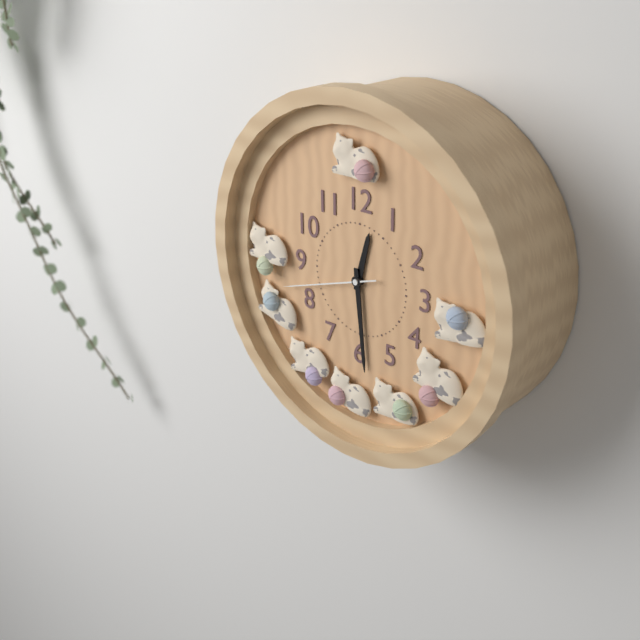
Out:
h=12 m=29 s=42
